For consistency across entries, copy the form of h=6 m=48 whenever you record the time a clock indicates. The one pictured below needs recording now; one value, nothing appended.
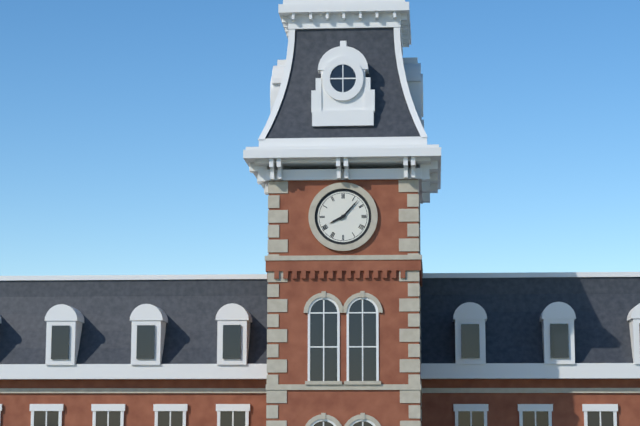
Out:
h=8 m=7
